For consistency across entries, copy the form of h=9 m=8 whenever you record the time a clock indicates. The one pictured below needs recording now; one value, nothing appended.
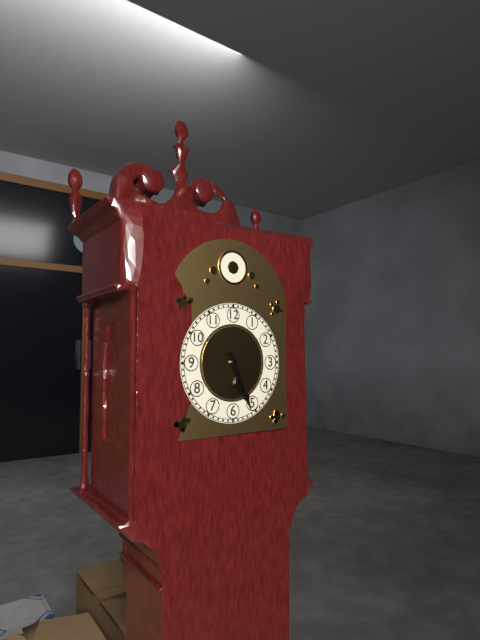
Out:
h=5 m=26
